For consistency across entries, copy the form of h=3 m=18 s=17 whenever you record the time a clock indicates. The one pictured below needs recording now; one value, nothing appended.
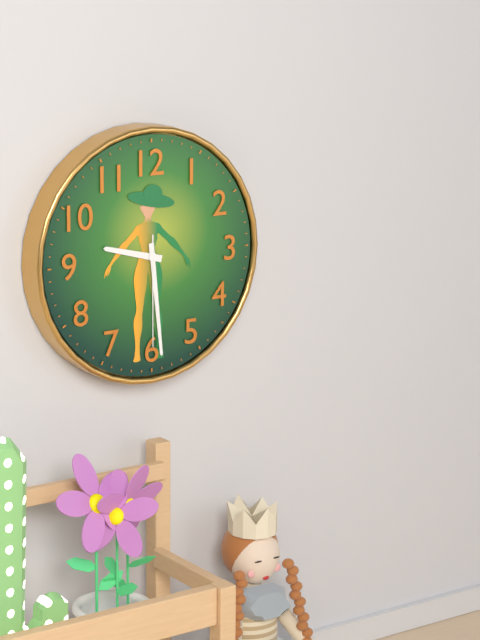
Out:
h=9 m=29 s=30
